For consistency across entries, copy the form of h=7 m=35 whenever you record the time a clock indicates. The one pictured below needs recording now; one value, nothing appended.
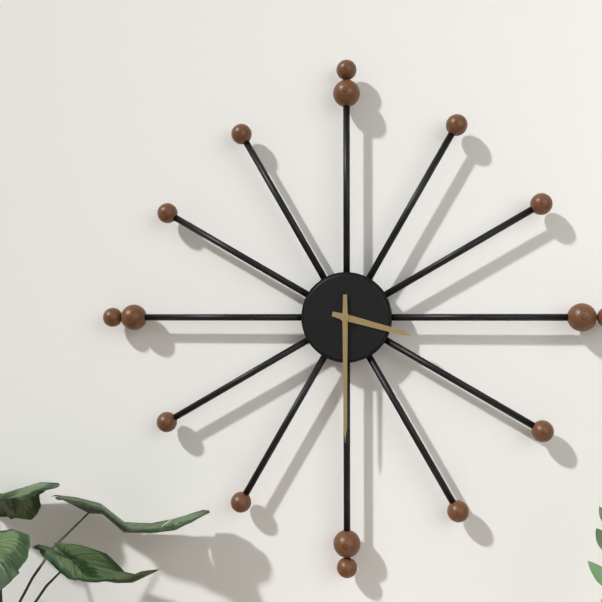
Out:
h=3 m=30
